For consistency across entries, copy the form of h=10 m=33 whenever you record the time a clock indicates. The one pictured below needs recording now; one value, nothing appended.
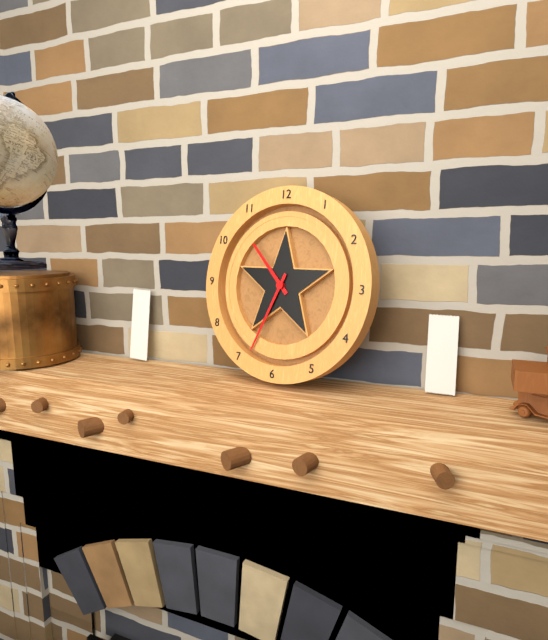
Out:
h=10 m=34
